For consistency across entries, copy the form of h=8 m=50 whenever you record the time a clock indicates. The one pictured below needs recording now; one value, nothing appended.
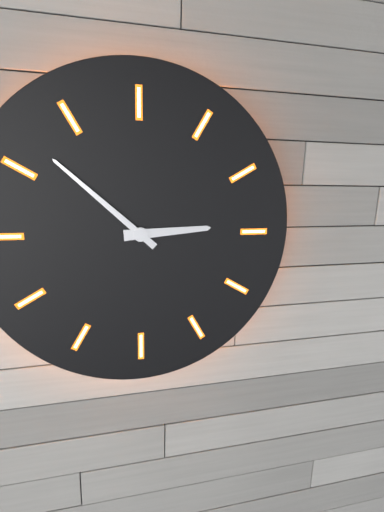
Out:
h=2 m=52
